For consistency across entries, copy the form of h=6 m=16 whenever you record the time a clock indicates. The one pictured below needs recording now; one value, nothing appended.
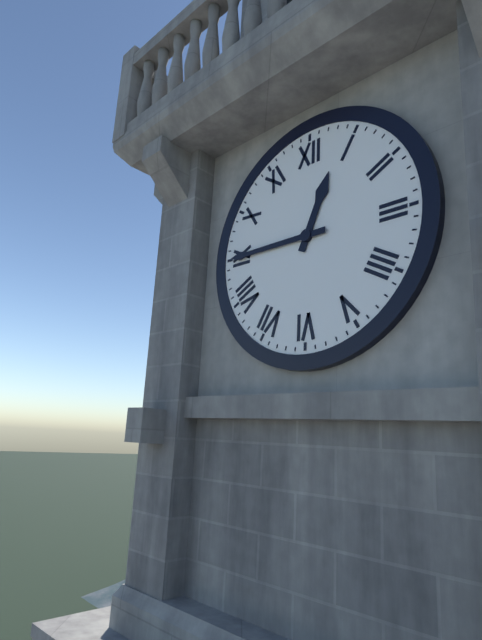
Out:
h=12 m=45
